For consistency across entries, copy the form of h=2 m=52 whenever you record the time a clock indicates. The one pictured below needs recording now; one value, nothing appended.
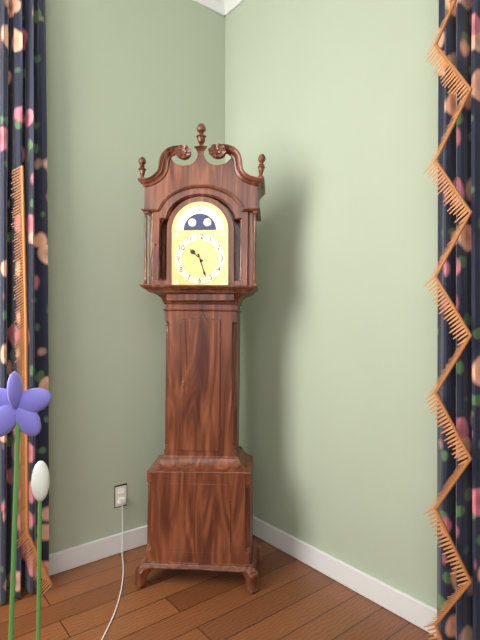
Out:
h=10 m=27
